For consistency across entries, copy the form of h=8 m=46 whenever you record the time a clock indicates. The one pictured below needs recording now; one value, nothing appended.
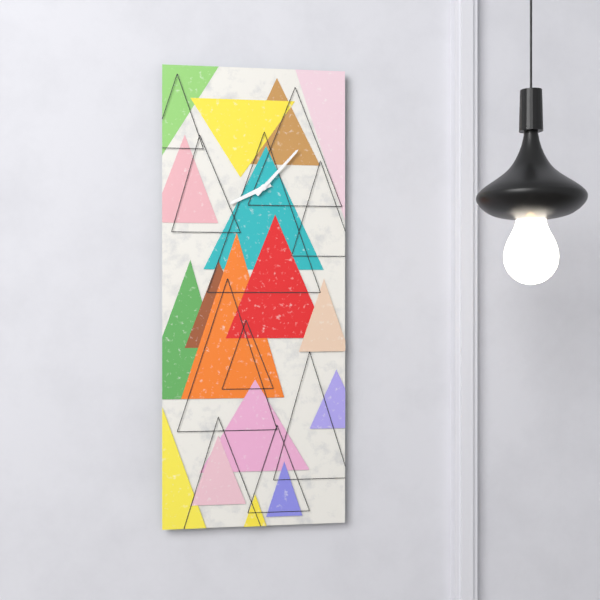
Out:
h=8 m=7
